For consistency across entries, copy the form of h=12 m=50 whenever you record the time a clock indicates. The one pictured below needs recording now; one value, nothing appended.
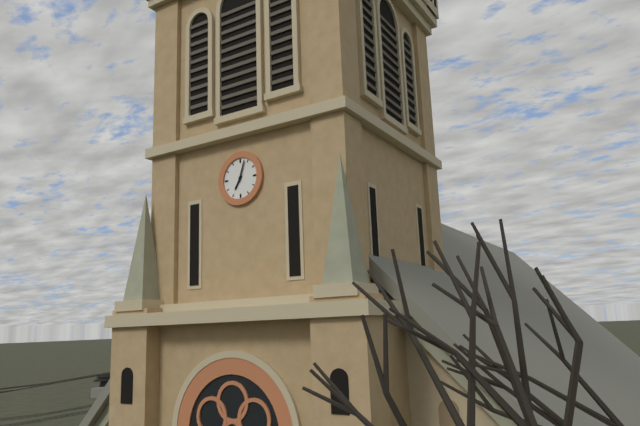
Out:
h=7 m=3
